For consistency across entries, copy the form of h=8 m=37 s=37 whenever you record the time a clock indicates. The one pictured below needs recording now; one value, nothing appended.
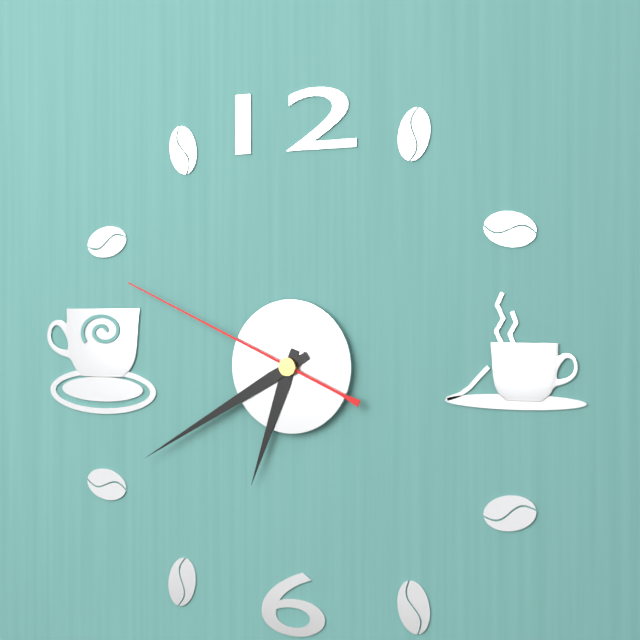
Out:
h=6 m=40 s=49
